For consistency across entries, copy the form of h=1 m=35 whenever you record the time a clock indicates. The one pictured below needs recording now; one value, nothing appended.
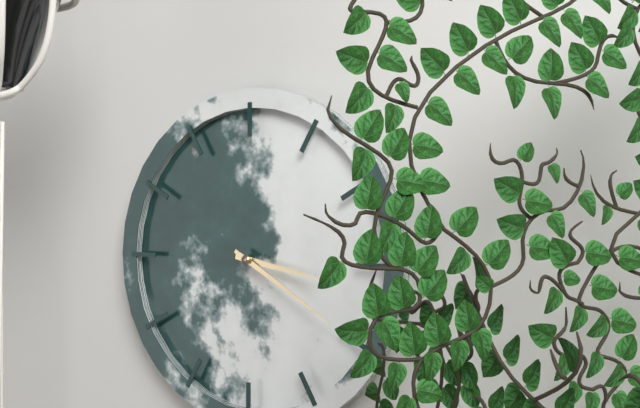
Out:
h=3 m=20
